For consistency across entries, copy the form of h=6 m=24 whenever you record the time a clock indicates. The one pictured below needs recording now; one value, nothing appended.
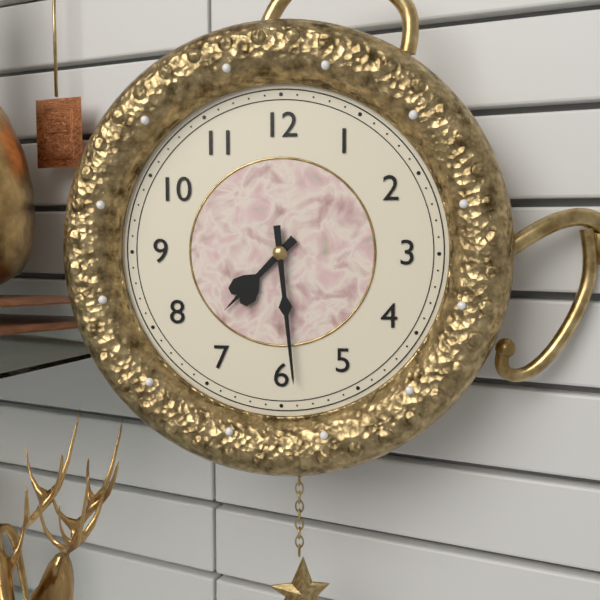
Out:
h=7 m=29
